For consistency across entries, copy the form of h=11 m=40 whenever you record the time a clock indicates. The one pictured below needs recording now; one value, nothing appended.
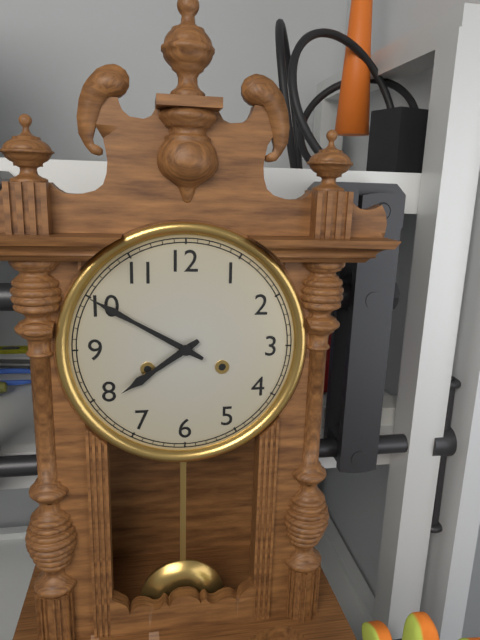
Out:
h=7 m=50
